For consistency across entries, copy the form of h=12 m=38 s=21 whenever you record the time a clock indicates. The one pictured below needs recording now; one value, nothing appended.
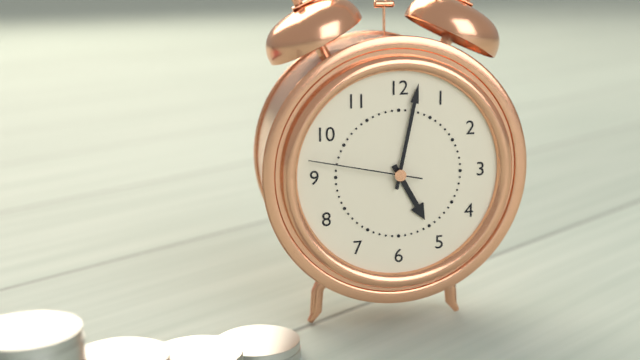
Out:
h=5 m=2 s=47
